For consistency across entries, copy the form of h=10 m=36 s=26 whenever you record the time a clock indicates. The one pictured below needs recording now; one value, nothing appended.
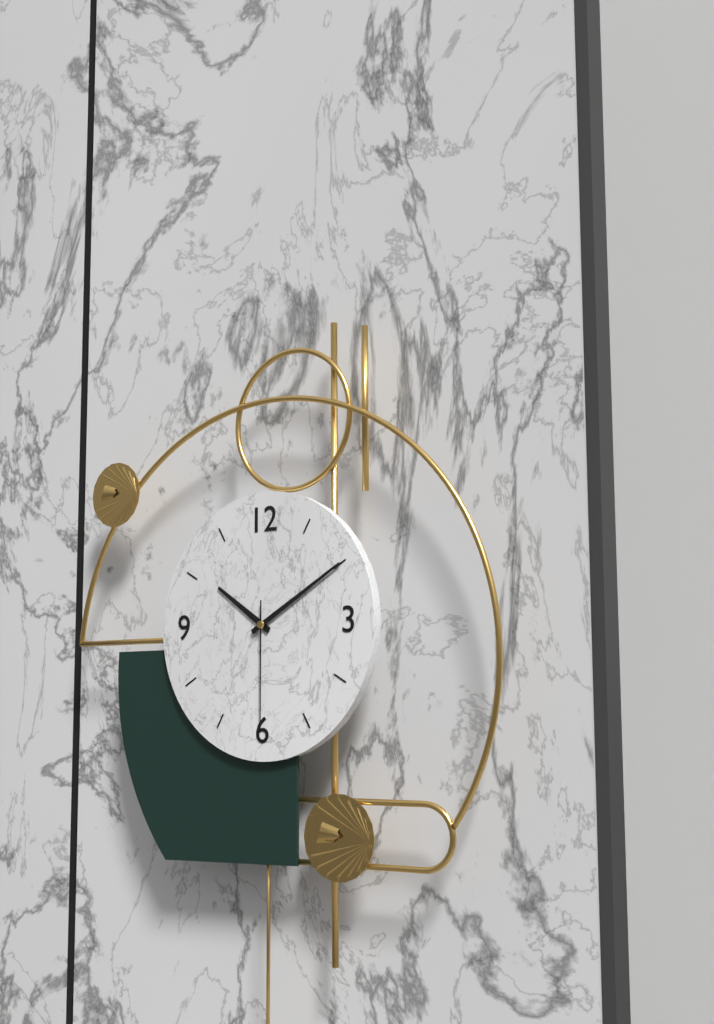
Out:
h=10 m=10 s=30
